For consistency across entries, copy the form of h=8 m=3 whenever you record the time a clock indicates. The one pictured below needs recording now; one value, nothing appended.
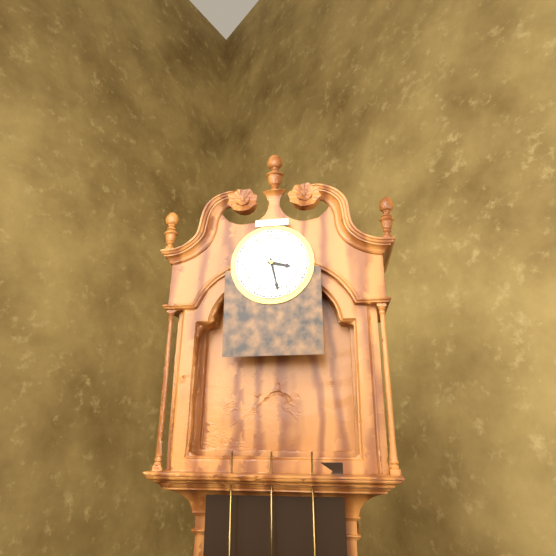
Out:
h=3 m=28
